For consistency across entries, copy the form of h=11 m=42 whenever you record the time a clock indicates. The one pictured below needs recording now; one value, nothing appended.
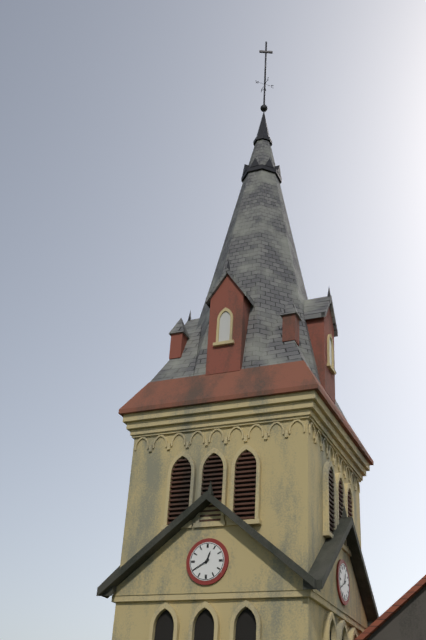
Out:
h=12 m=40
